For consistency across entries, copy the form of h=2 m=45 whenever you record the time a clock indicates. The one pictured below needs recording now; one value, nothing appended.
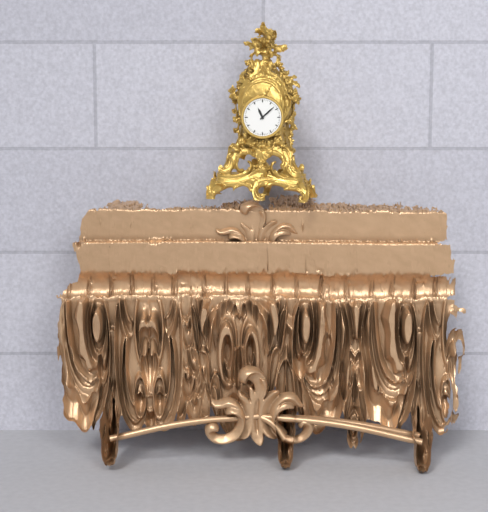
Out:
h=11 m=8
